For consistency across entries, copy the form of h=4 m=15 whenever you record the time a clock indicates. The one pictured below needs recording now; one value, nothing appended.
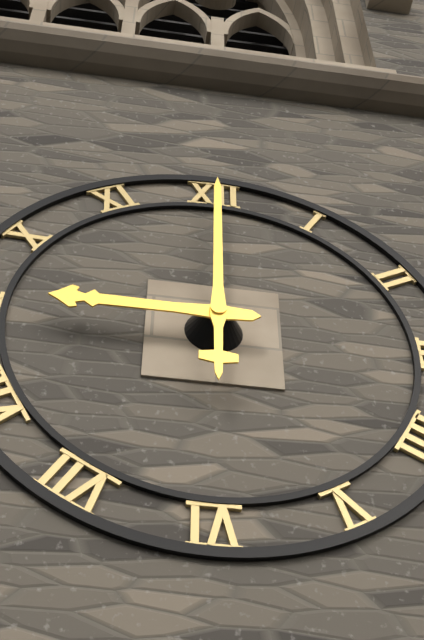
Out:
h=9 m=0
